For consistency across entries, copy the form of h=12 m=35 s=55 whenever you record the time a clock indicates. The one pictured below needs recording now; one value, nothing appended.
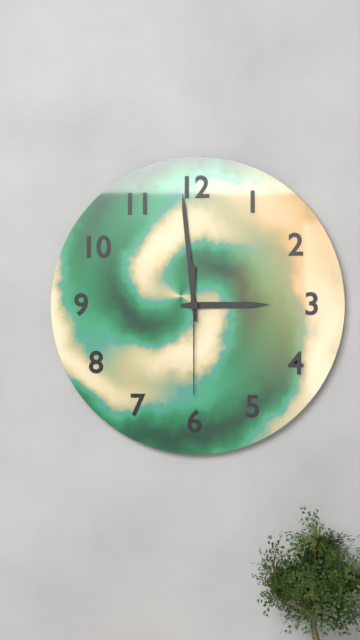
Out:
h=2 m=59 s=30
